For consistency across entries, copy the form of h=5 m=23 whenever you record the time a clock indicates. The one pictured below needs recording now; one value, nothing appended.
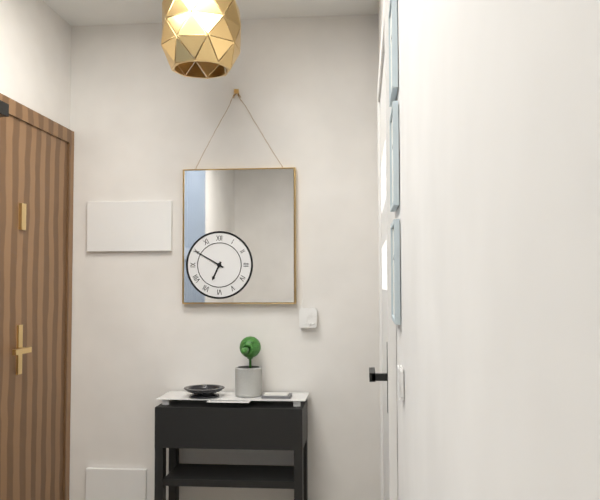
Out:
h=6 m=50
